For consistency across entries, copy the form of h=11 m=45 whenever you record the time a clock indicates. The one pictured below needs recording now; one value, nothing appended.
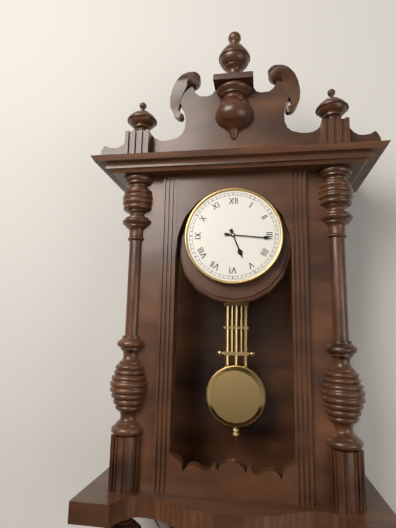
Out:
h=5 m=16
